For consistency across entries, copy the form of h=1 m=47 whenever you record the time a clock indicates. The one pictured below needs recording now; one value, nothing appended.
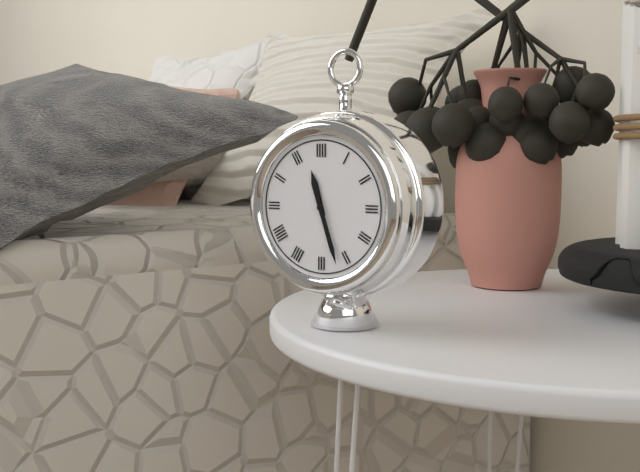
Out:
h=11 m=27
